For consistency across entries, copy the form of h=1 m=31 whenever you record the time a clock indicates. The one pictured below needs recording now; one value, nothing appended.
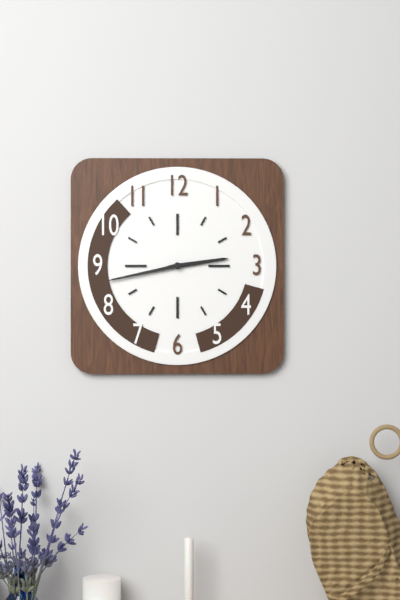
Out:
h=2 m=43
